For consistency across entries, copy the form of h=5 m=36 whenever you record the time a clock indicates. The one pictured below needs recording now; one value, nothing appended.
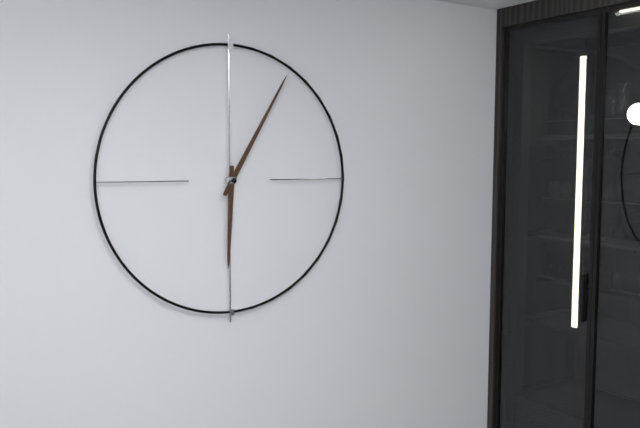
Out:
h=6 m=5
